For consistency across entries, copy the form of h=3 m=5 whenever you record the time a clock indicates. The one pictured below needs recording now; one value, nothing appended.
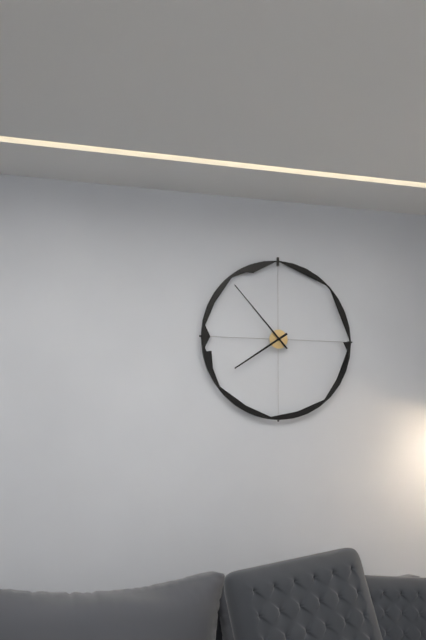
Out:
h=7 m=53
